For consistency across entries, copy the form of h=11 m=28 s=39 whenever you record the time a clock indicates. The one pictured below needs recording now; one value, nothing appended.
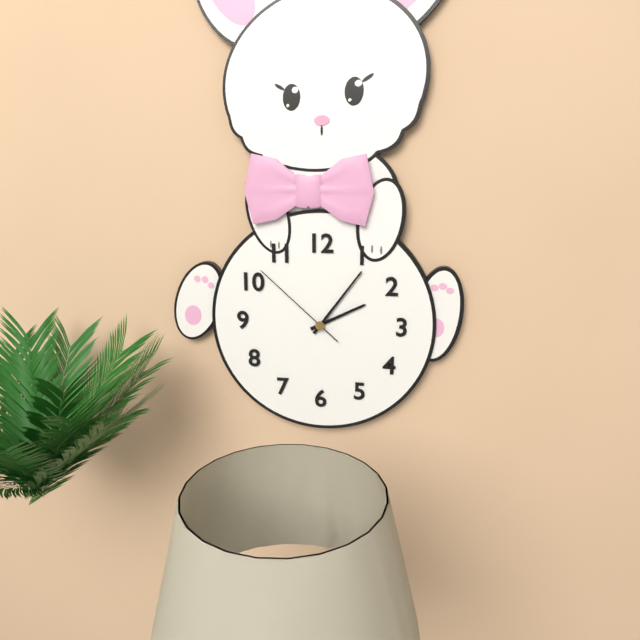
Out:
h=2 m=6 s=52
